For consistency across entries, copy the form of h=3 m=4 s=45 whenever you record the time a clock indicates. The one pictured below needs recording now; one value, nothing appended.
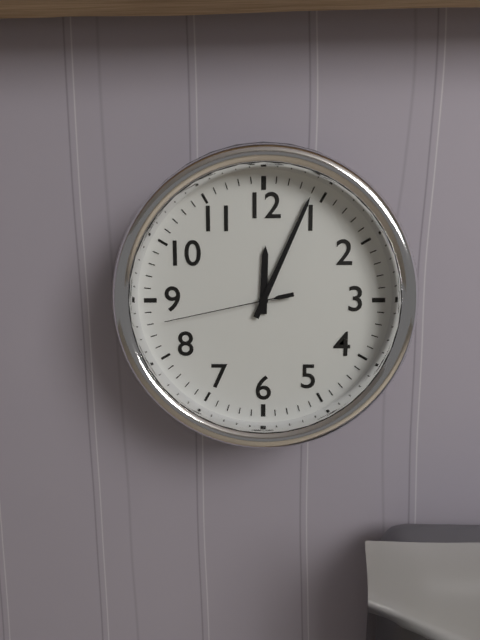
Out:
h=12 m=4 s=43
